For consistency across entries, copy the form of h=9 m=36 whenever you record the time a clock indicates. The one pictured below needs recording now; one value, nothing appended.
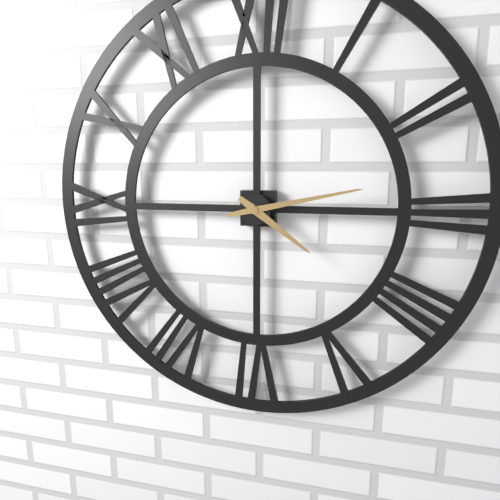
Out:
h=4 m=13
